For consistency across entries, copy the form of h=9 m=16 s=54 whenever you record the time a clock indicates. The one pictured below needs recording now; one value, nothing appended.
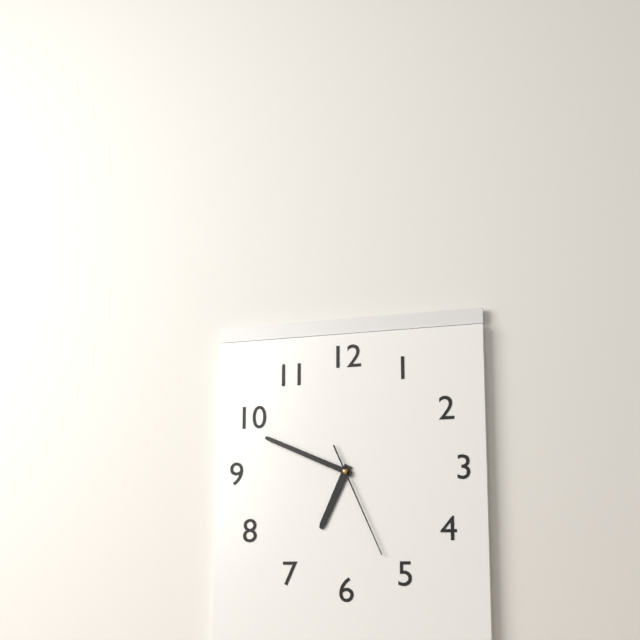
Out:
h=6 m=49 s=26
